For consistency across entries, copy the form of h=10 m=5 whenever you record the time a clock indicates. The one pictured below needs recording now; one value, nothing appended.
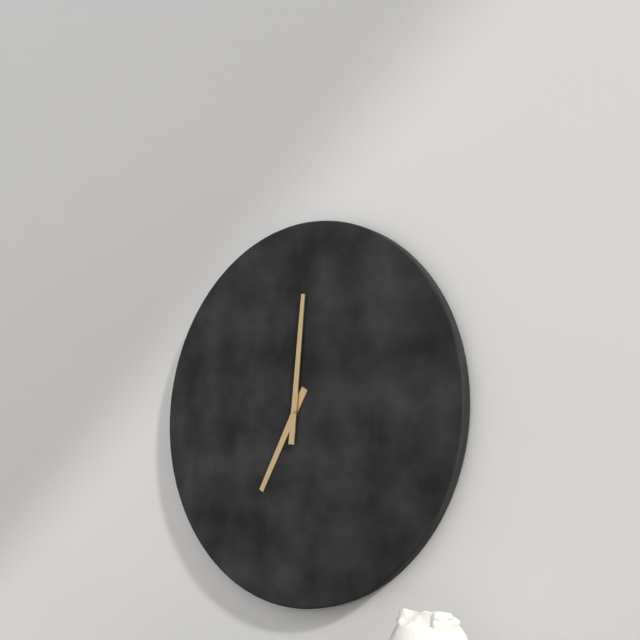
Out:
h=7 m=1
